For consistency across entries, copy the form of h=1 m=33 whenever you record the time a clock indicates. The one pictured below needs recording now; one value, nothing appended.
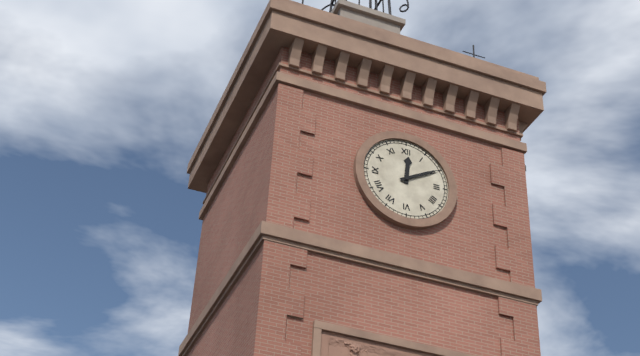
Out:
h=12 m=10
